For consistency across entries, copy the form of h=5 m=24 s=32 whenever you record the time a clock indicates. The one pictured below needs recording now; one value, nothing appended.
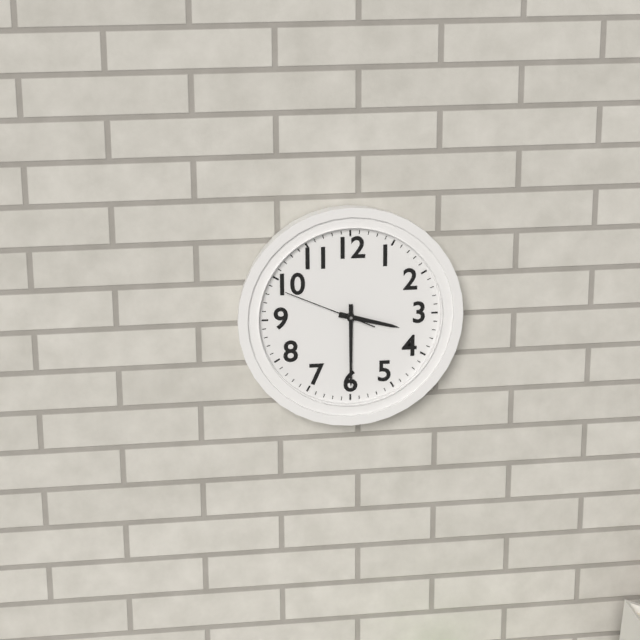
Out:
h=3 m=30 s=49
